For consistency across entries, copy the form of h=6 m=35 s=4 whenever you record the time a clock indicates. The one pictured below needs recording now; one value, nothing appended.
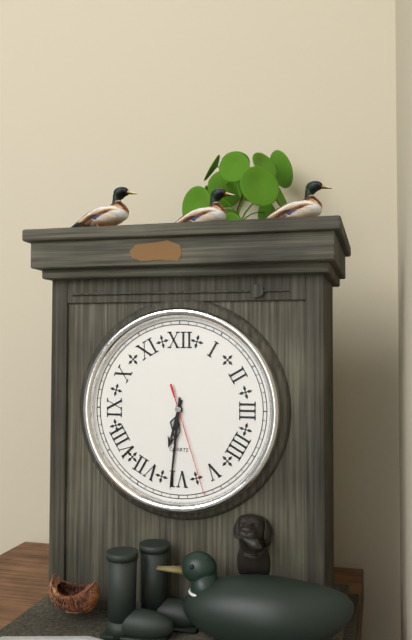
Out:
h=6 m=31 s=27
